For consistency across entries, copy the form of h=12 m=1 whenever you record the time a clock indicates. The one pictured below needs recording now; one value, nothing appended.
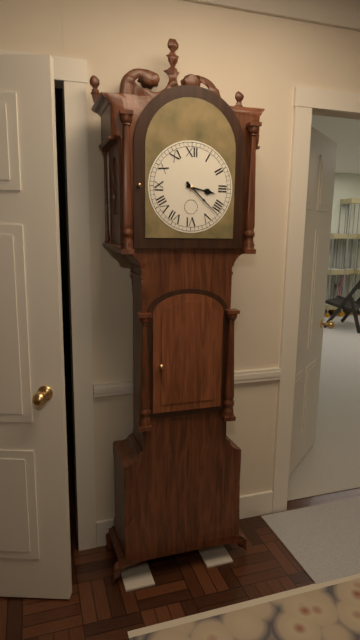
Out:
h=3 m=22
